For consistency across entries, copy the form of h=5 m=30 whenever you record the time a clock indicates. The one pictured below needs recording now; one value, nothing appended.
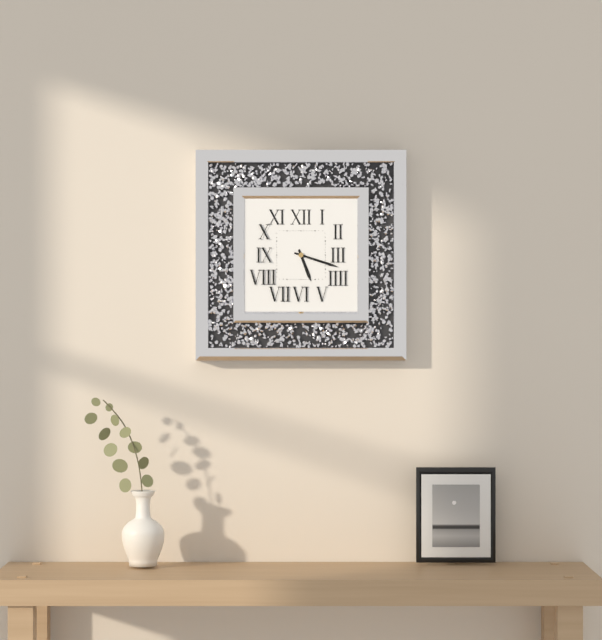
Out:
h=5 m=18
